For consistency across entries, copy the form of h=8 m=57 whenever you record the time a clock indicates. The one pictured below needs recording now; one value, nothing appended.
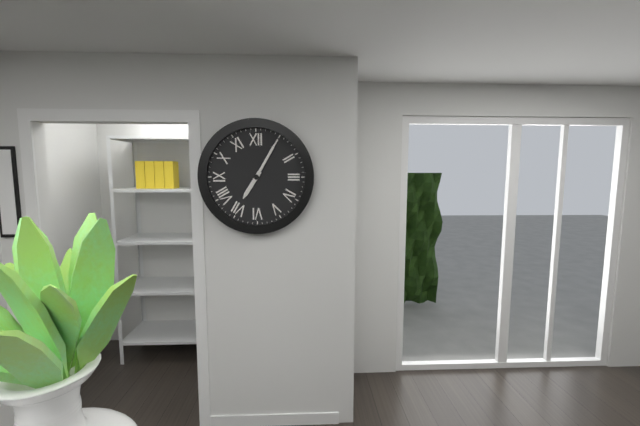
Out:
h=7 m=5
